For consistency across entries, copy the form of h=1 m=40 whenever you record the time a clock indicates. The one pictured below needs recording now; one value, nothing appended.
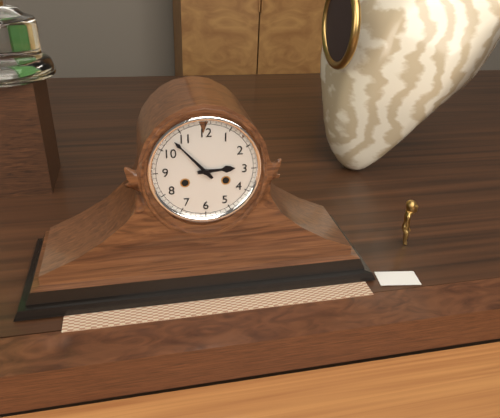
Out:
h=2 m=53
